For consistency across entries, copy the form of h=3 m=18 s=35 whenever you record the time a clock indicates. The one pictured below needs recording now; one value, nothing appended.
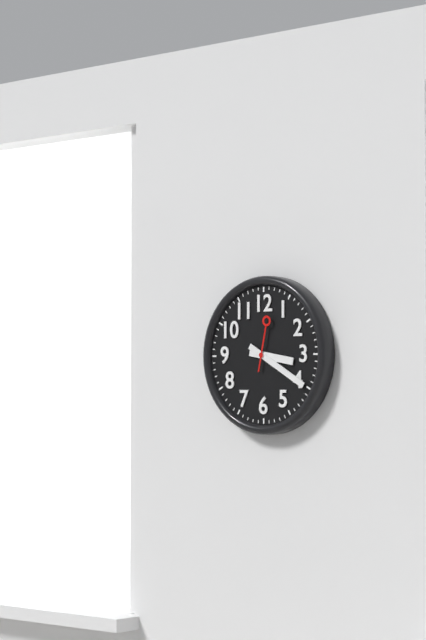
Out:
h=3 m=20 s=2
